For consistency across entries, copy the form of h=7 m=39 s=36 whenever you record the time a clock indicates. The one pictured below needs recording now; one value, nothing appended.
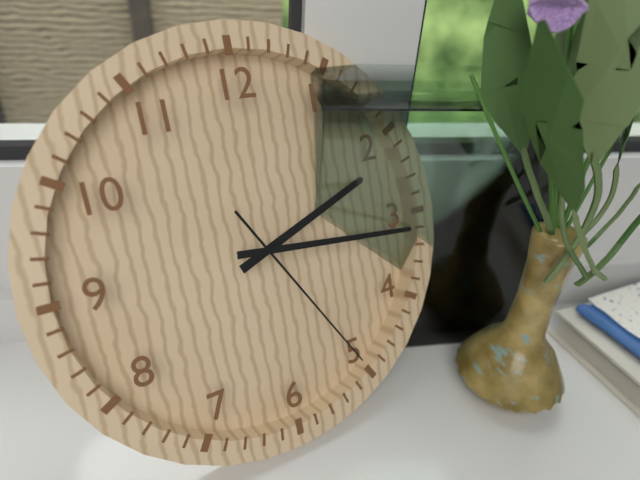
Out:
h=2 m=16 s=25
